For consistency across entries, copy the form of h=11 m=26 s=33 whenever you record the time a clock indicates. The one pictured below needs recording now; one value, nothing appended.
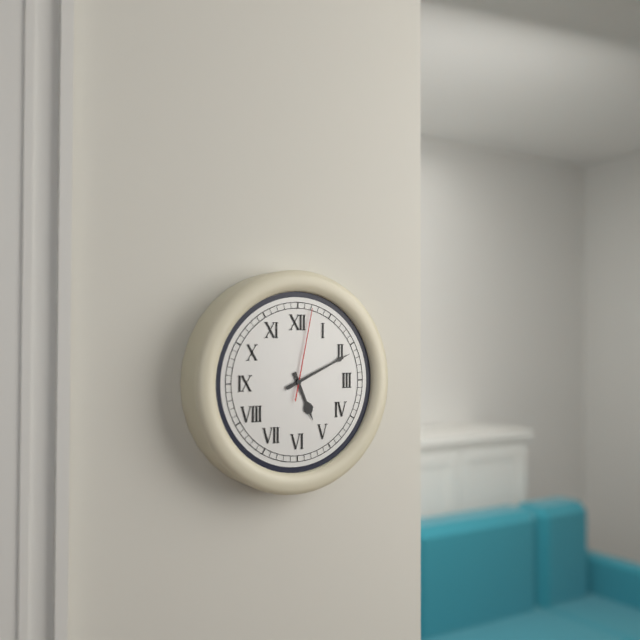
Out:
h=5 m=11 s=2
